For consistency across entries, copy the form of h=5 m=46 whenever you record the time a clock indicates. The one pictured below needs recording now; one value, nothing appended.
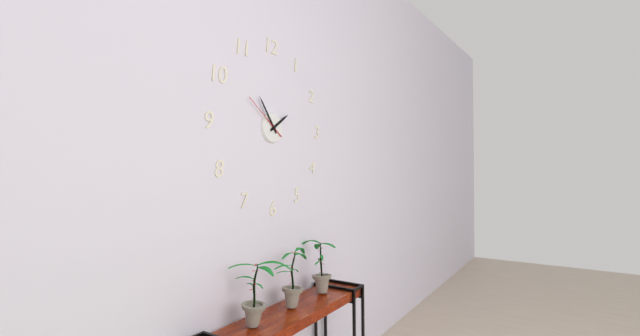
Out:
h=1 m=54
